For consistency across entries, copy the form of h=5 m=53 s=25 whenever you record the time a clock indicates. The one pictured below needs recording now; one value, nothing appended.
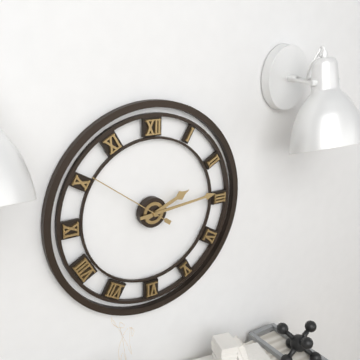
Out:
h=2 m=14 s=51
